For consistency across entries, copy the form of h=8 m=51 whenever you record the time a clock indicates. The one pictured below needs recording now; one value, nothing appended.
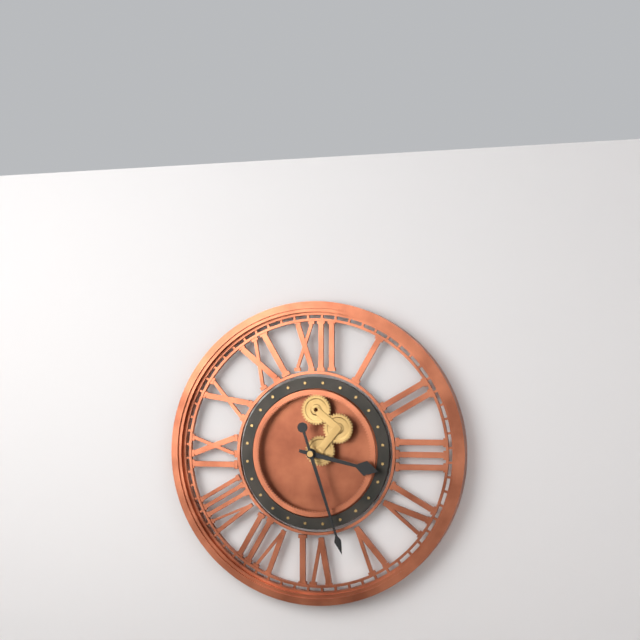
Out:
h=3 m=27
